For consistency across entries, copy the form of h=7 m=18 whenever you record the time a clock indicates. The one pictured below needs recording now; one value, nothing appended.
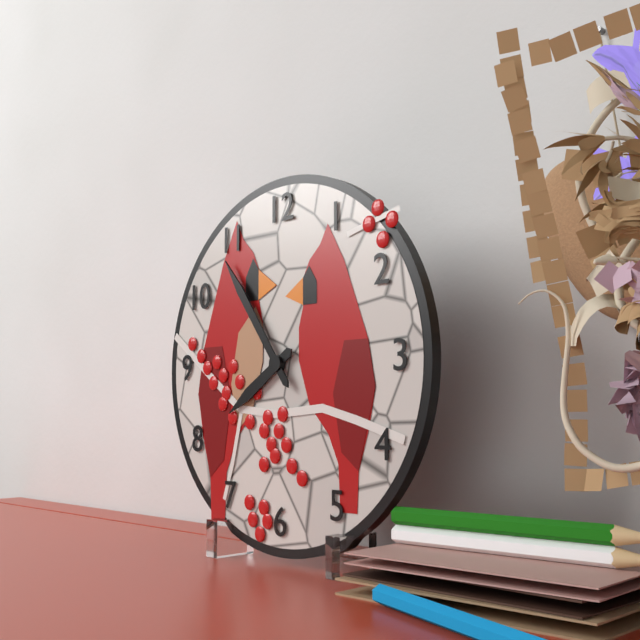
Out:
h=7 m=54
